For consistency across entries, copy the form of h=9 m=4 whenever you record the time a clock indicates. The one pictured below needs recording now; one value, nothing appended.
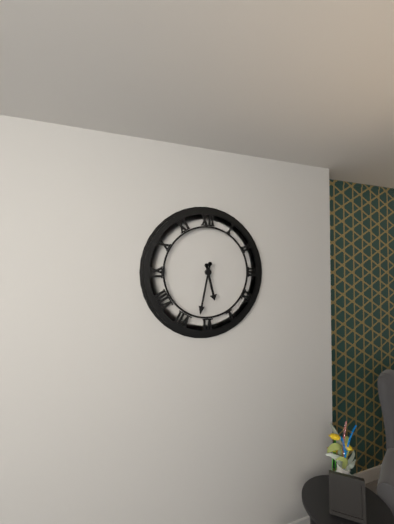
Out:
h=5 m=32
